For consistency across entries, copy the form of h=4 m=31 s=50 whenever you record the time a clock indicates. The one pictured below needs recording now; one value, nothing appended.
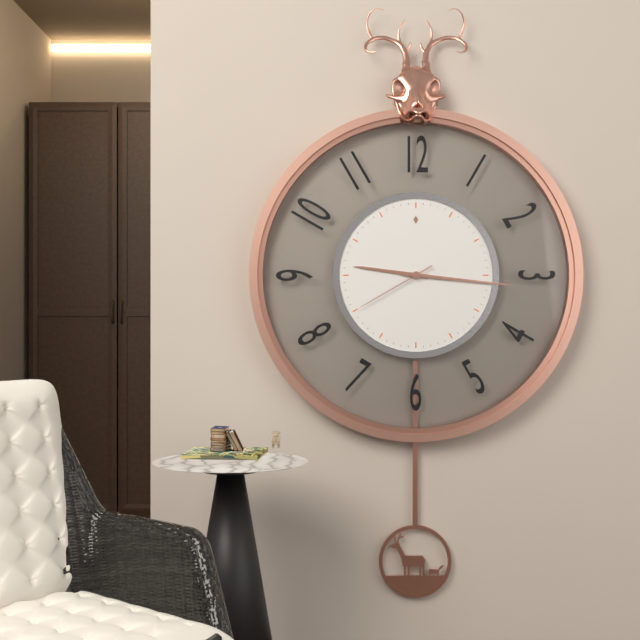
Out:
h=9 m=16 s=40
